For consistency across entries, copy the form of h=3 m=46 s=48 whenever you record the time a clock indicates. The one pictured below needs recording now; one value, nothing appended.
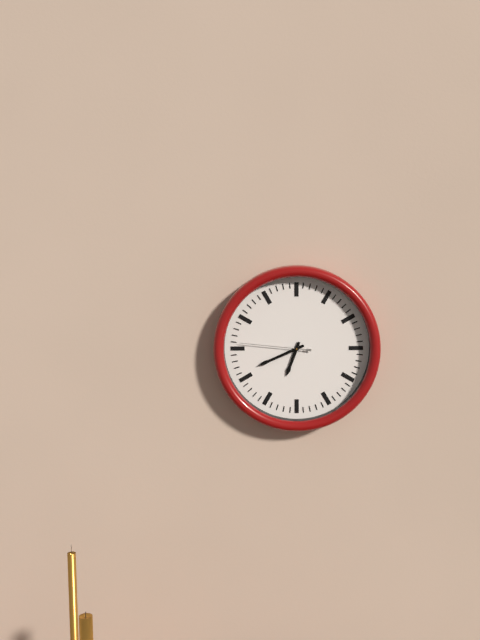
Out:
h=6 m=41 s=46
